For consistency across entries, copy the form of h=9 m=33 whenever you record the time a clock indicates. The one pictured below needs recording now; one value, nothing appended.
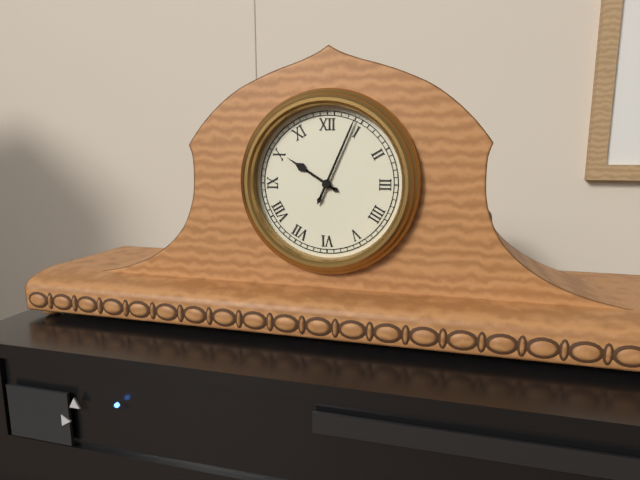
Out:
h=10 m=4
